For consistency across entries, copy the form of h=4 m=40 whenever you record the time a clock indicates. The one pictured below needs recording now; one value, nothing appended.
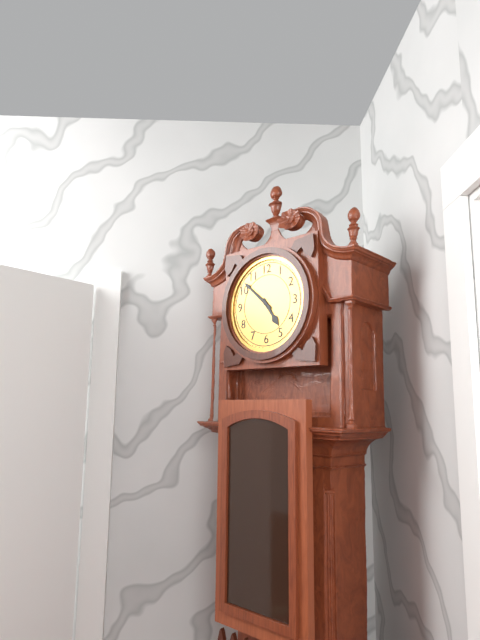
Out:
h=4 m=52
